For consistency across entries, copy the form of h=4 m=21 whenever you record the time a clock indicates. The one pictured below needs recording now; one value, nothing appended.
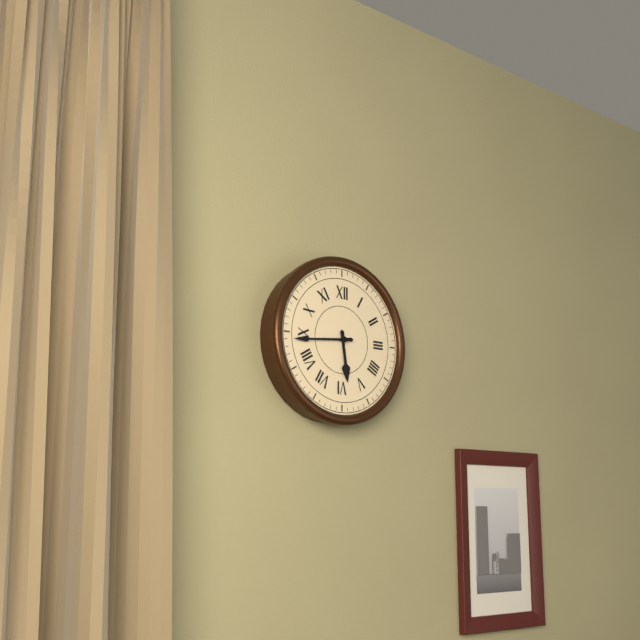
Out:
h=5 m=44
